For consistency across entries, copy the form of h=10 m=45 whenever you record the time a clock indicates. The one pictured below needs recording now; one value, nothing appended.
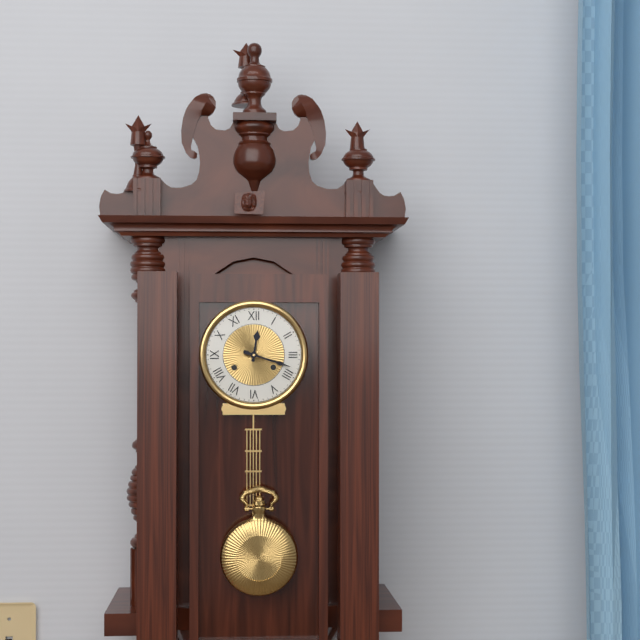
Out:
h=12 m=18
